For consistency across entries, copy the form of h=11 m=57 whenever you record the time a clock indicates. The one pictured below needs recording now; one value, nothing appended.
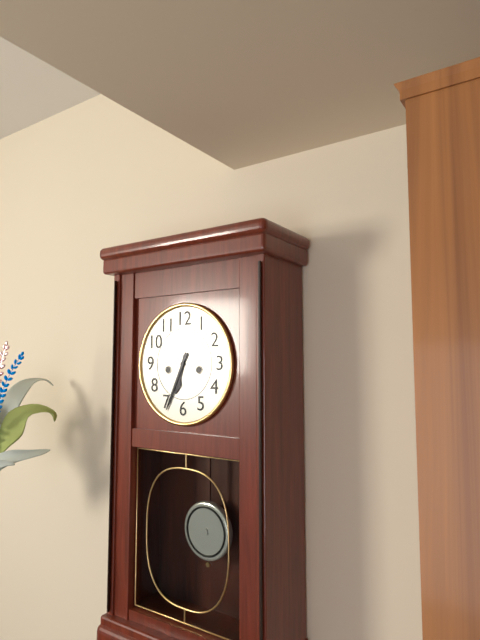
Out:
h=6 m=34
